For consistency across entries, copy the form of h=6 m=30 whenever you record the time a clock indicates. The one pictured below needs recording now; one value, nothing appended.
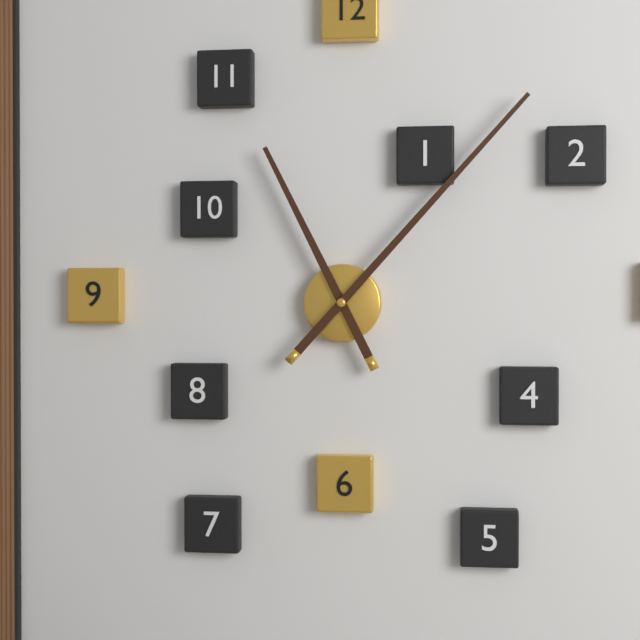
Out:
h=11 m=7
